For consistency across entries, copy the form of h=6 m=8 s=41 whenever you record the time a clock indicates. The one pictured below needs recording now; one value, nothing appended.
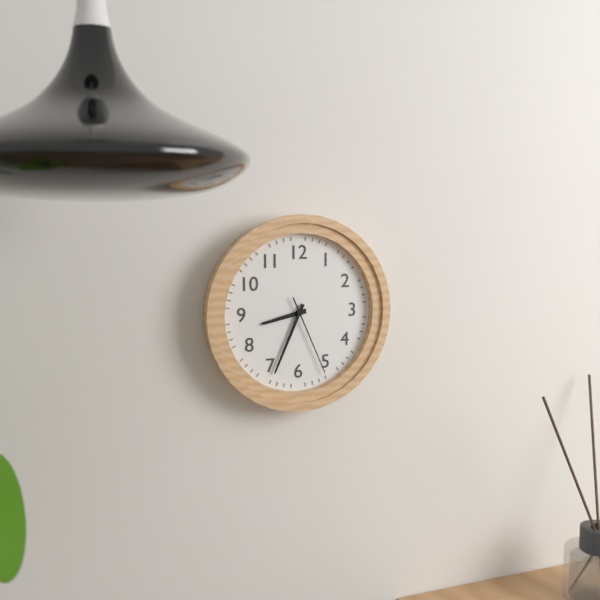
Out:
h=8 m=34 s=26
